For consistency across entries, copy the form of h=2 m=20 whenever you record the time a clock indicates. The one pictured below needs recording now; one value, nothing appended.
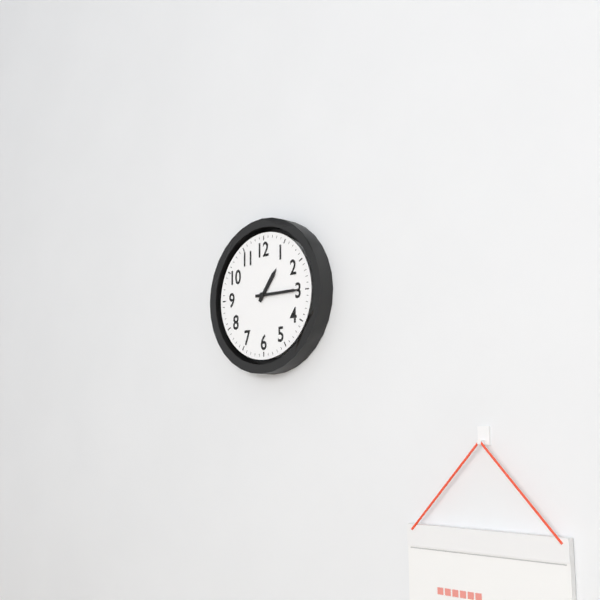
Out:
h=1 m=15
